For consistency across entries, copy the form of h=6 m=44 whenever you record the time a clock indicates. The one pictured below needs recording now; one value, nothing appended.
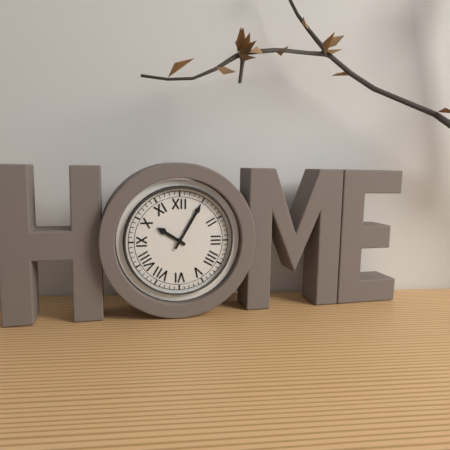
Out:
h=10 m=5
